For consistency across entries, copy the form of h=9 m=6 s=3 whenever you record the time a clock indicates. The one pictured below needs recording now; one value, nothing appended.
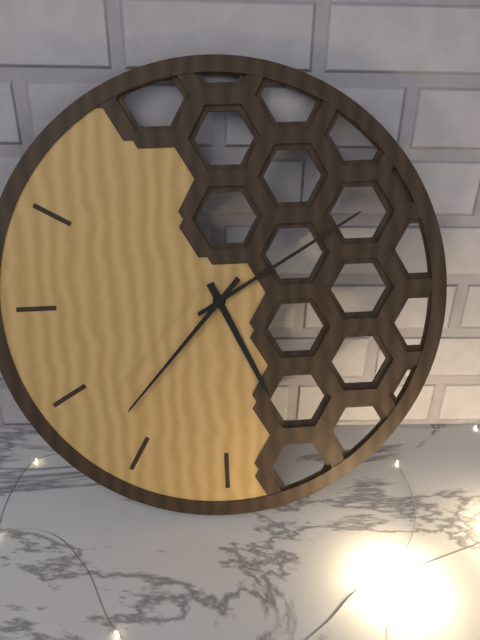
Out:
h=5 m=10 s=37
